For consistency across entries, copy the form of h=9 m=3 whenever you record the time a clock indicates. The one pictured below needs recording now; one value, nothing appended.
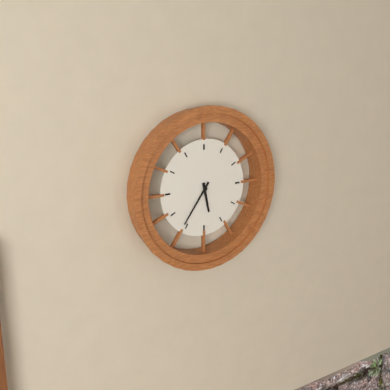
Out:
h=5 m=36
